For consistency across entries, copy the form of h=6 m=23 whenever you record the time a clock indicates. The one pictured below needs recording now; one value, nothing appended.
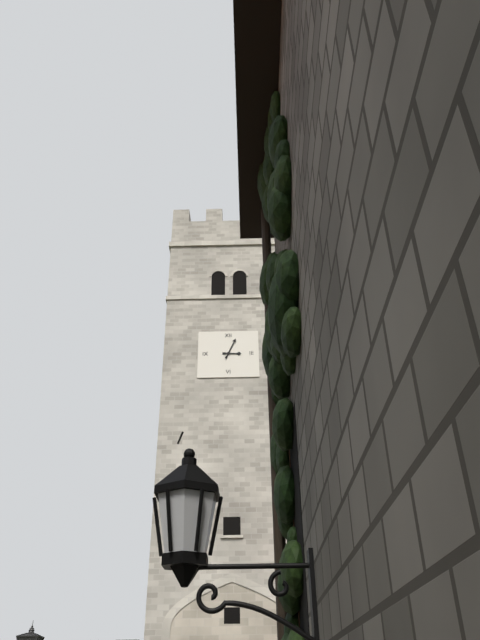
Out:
h=3 m=4
